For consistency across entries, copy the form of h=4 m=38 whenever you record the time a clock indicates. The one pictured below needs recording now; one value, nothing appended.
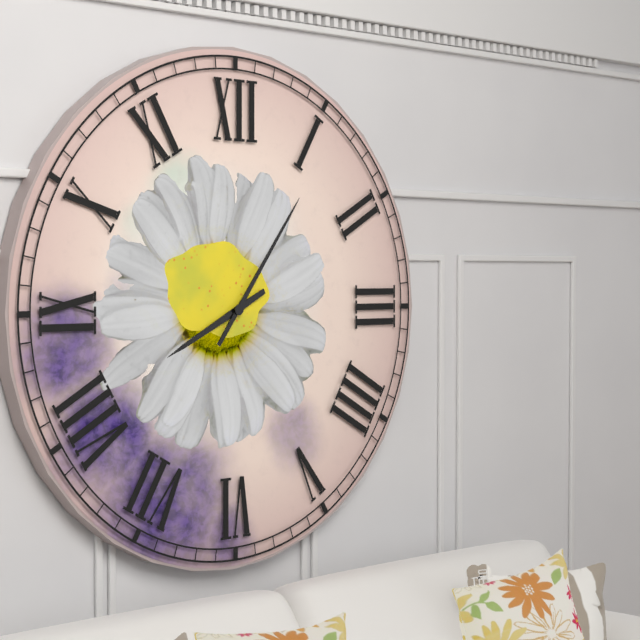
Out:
h=8 m=6
